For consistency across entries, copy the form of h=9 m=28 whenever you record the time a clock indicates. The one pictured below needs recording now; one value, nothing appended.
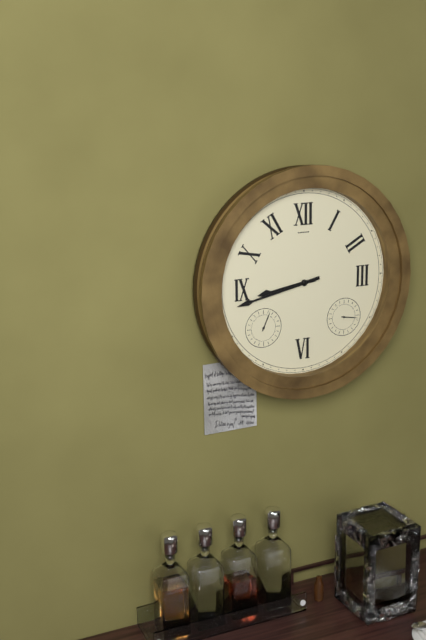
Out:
h=8 m=43
